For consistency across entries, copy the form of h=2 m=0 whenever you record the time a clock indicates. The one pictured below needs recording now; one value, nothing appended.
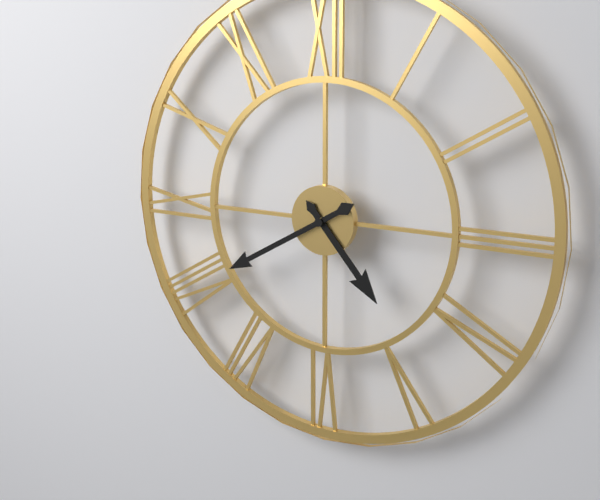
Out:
h=4 m=40
